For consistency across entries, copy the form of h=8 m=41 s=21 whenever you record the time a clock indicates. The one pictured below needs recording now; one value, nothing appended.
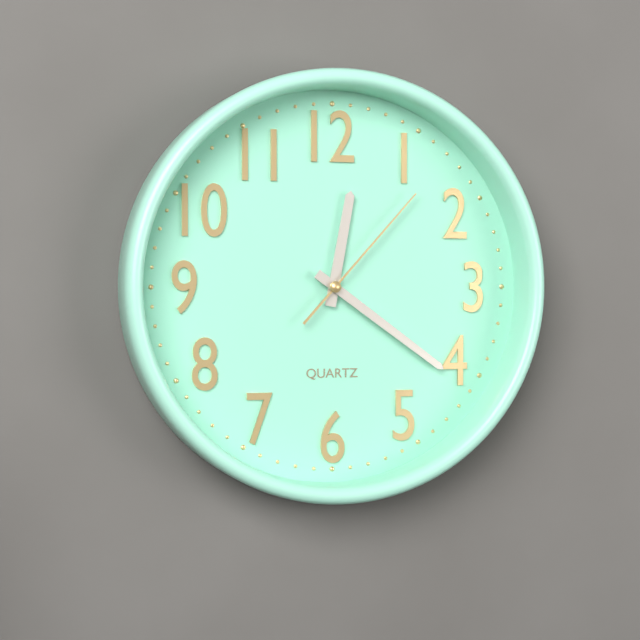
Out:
h=12 m=21 s=7
